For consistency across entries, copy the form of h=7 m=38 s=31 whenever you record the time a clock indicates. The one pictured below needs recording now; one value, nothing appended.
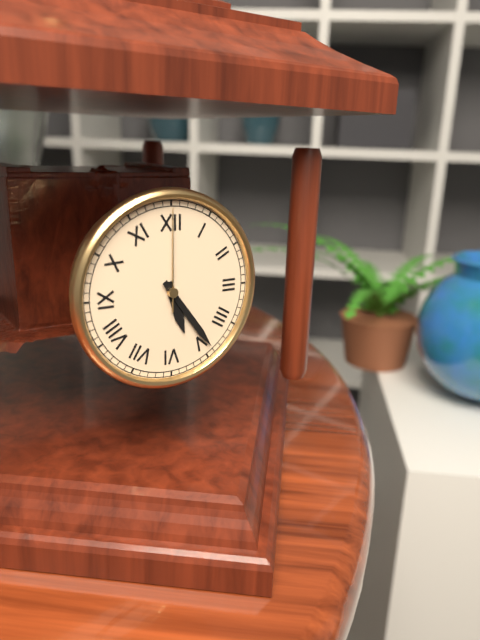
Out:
h=5 m=24 s=0
